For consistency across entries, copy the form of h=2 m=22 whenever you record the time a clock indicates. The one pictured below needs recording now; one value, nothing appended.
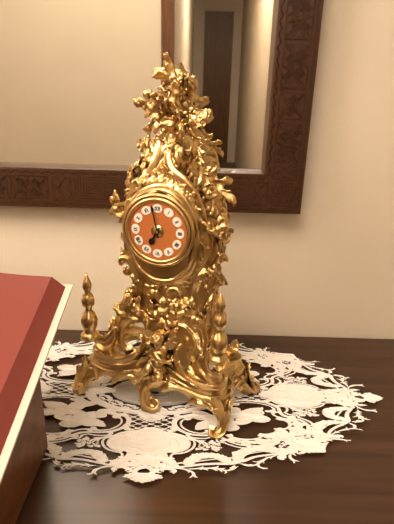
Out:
h=6 m=58
